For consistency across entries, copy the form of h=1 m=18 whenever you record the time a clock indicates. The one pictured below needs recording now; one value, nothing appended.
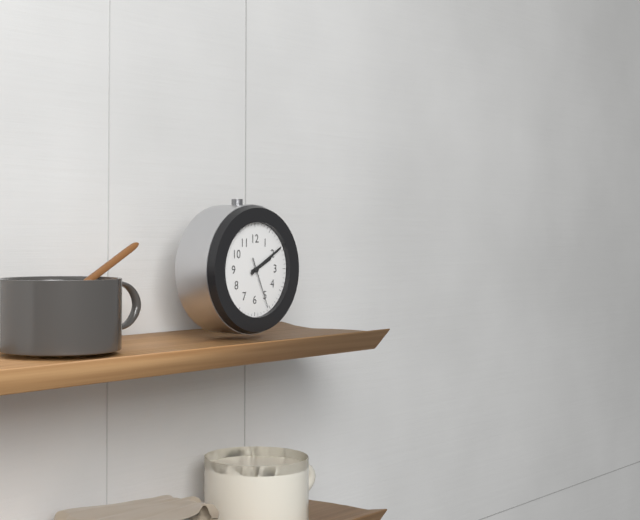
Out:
h=2 m=10
